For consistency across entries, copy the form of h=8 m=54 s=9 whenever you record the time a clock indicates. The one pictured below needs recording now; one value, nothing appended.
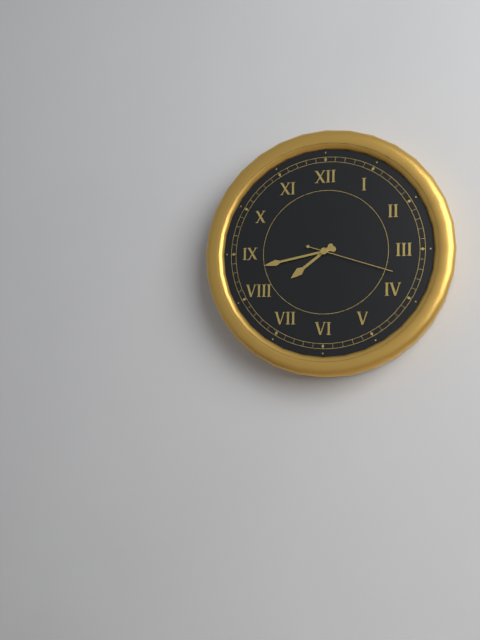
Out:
h=7 m=43 s=18
